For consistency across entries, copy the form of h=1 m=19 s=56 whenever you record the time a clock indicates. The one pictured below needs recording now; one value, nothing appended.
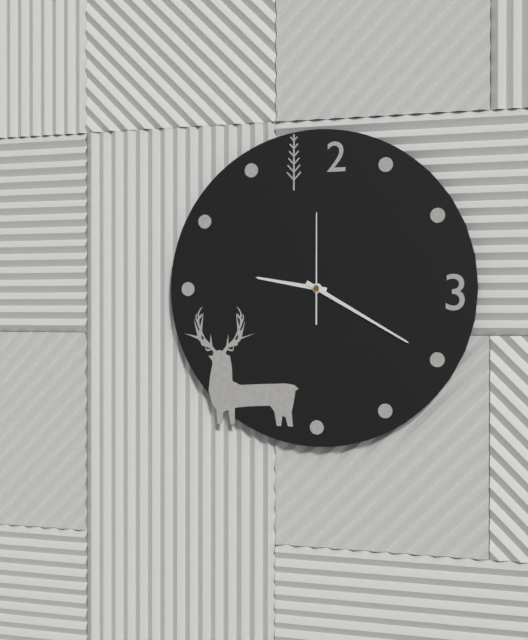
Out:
h=9 m=20 s=0
